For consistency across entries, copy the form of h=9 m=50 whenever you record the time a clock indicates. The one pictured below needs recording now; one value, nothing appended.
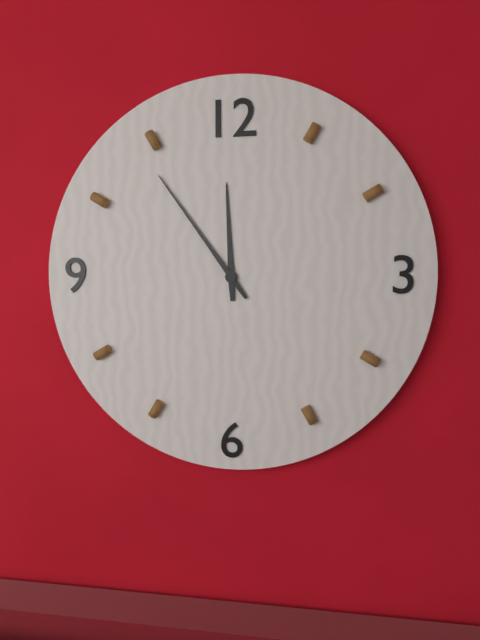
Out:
h=11 m=54
